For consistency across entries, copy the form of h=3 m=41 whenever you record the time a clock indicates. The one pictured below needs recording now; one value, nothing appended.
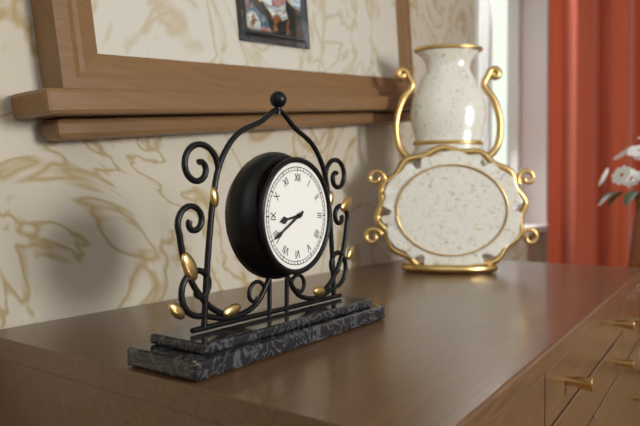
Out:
h=8 m=40
